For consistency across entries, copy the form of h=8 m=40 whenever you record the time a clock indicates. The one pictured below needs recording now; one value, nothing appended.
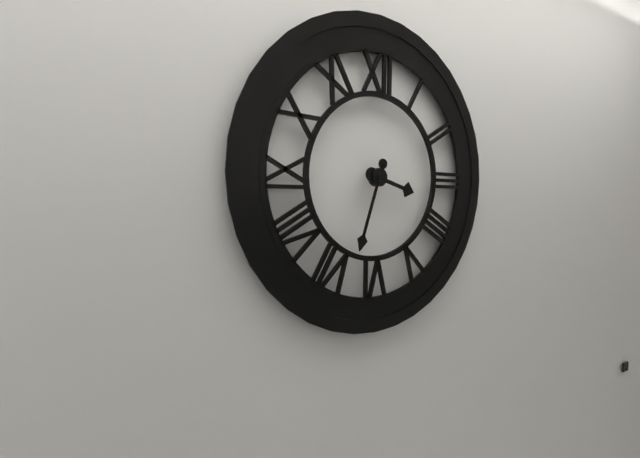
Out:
h=3 m=33
